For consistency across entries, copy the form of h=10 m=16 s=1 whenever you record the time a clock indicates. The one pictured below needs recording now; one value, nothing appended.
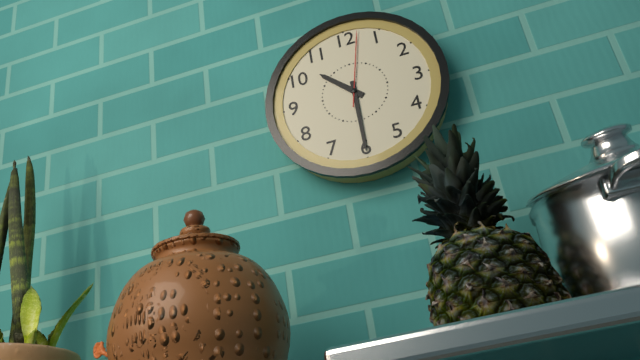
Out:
h=10 m=30 s=2
